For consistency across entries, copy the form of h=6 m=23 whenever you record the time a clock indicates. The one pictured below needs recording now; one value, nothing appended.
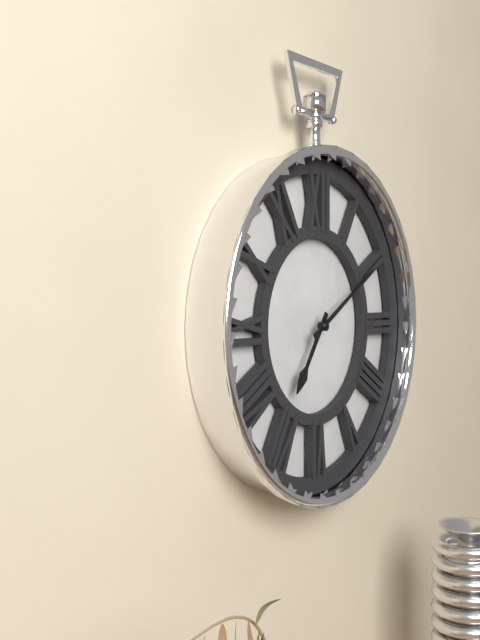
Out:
h=7 m=10
